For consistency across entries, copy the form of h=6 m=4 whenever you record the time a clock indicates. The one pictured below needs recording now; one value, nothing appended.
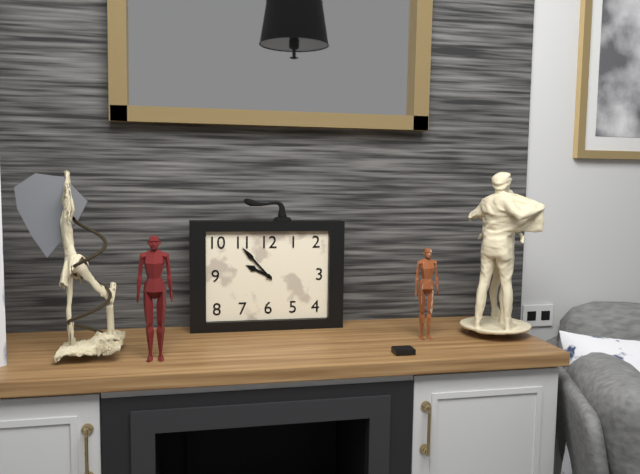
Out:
h=9 m=53
